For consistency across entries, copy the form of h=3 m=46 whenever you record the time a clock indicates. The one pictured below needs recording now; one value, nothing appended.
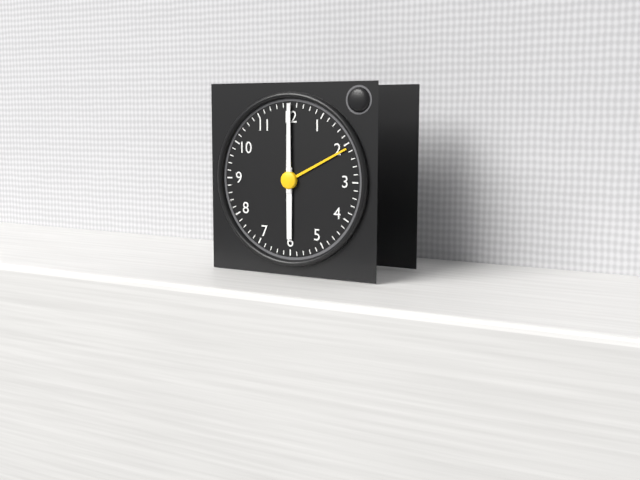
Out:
h=6 m=0
